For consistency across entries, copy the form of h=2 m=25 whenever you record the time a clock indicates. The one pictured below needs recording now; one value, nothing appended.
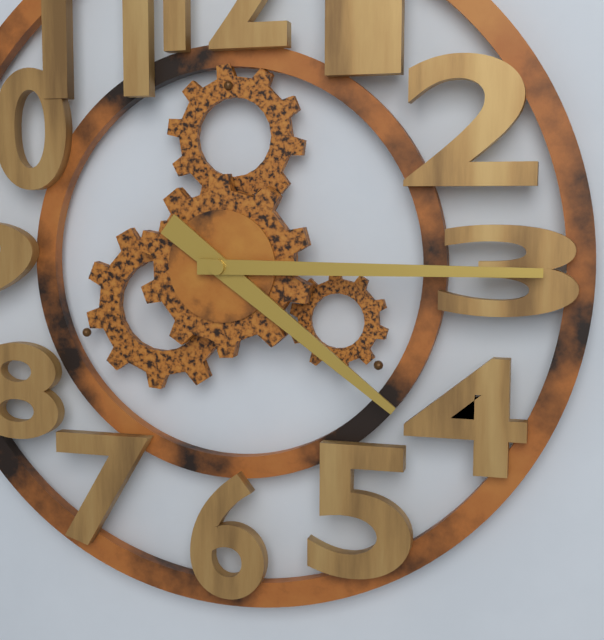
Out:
h=4 m=15
